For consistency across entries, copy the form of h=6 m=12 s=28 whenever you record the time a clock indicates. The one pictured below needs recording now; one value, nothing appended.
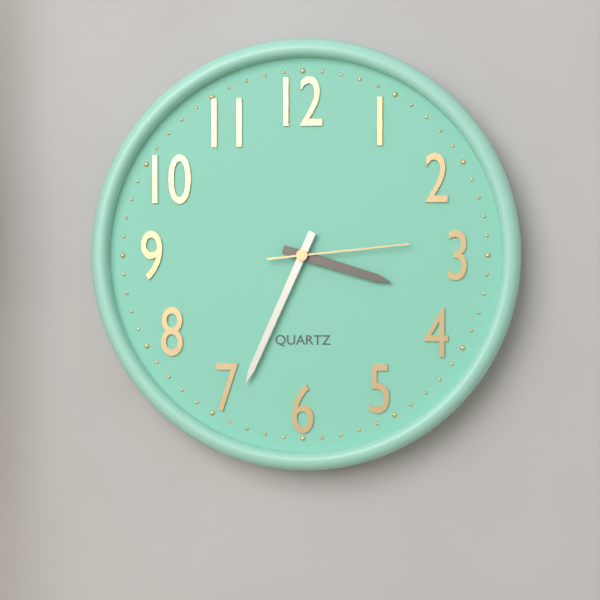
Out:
h=3 m=34 s=14
